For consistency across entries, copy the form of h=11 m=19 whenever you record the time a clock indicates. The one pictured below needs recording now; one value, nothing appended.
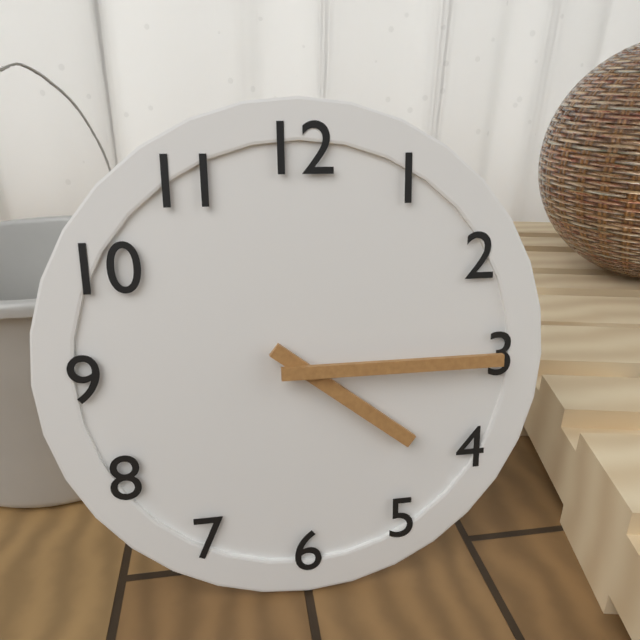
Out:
h=4 m=15
